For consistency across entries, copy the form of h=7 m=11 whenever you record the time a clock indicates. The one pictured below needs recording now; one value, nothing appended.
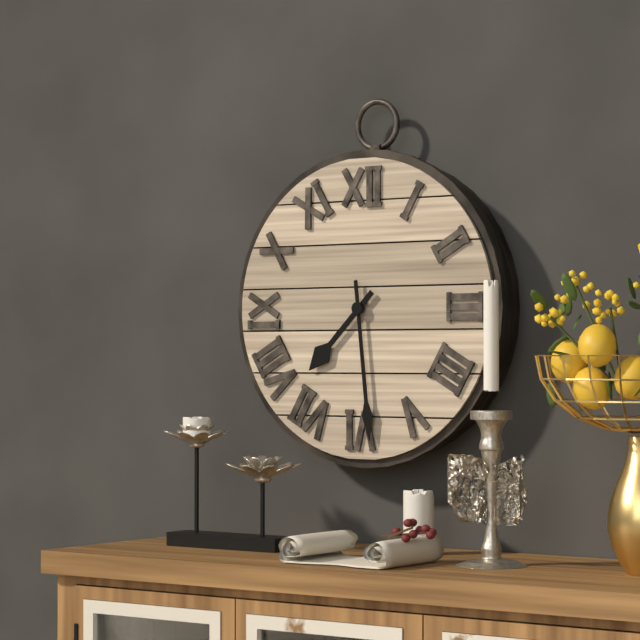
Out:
h=7 m=29
